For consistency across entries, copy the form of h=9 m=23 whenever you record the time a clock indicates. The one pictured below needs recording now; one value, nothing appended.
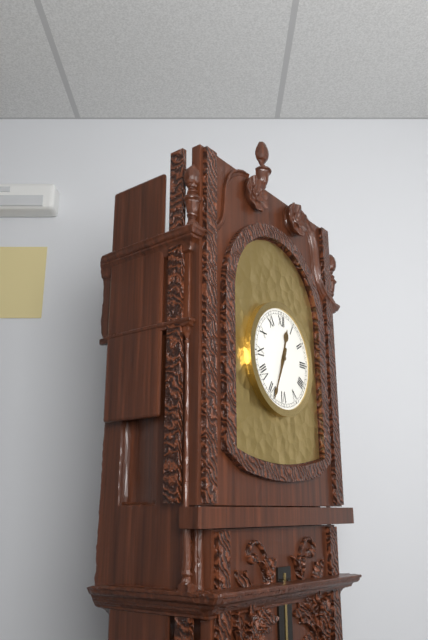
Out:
h=12 m=34
